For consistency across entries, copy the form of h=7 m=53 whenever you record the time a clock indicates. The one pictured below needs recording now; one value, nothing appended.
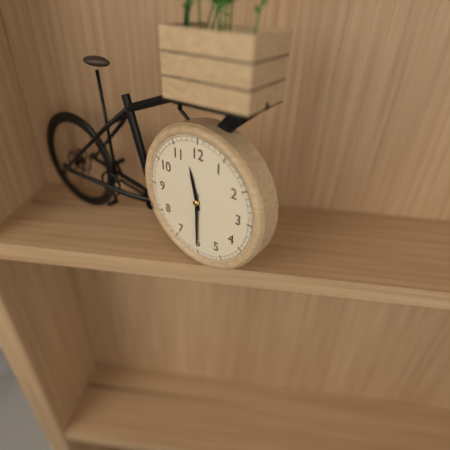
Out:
h=11 m=30
